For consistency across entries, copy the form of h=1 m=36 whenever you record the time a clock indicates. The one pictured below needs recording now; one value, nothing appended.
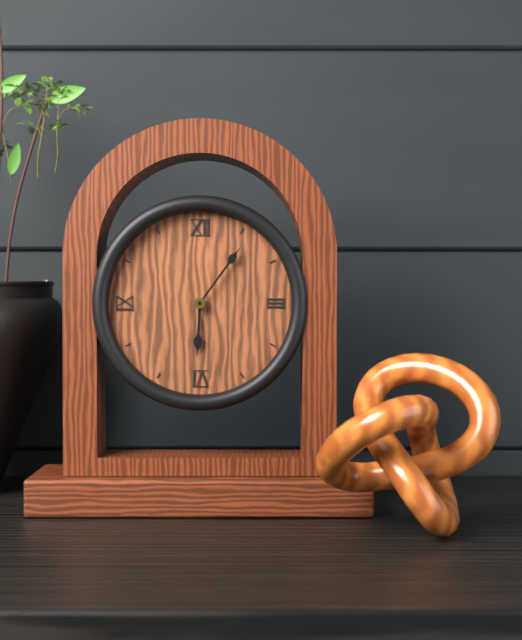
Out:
h=6 m=6
